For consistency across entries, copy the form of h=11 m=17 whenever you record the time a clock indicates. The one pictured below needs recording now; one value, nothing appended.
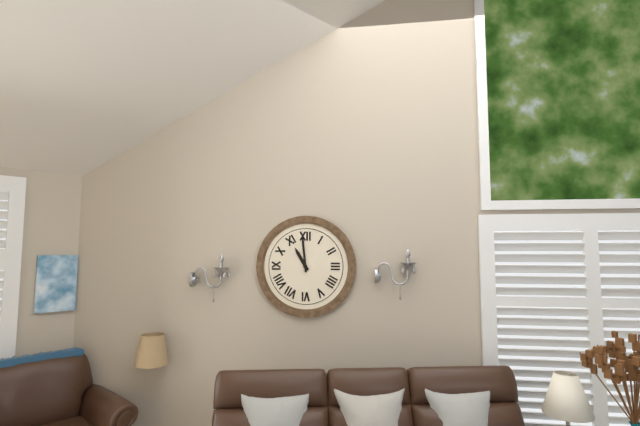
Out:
h=10 m=59
